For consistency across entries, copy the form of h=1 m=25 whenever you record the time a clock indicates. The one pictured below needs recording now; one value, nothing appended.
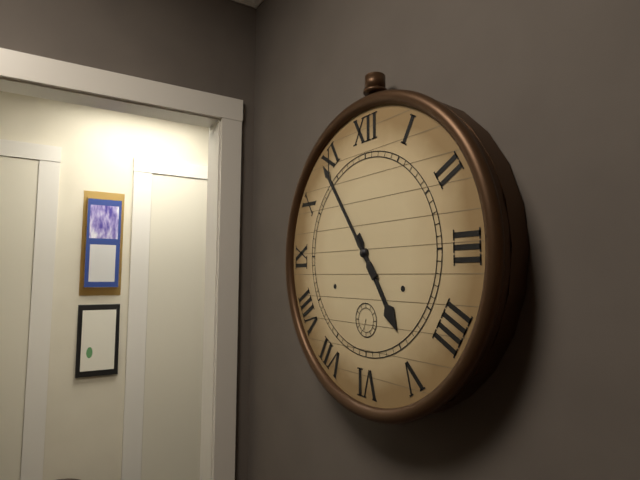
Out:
h=4 m=54
